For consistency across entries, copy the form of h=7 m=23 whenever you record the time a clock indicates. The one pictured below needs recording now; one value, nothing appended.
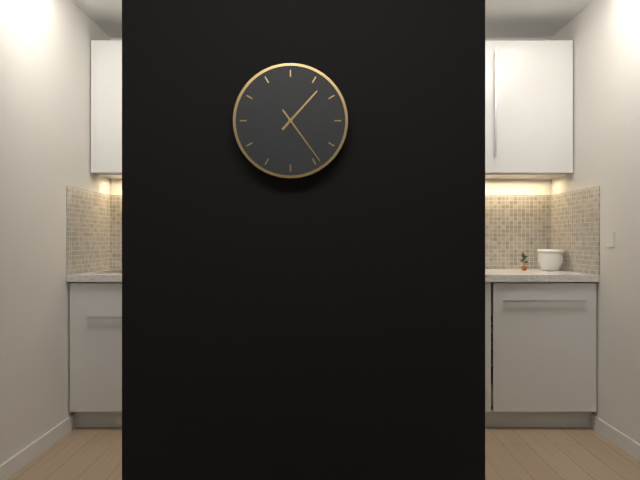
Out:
h=1 m=24
